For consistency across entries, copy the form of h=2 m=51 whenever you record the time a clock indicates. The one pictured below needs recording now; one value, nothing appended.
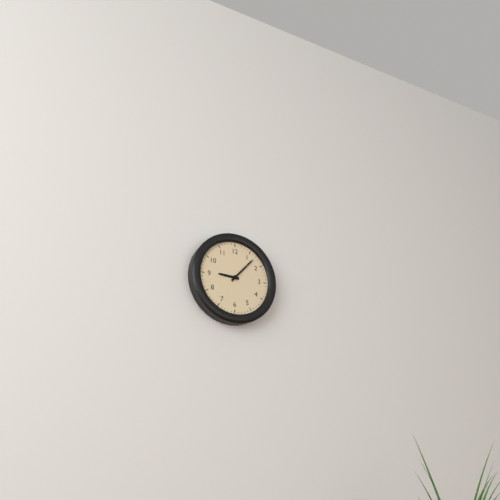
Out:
h=9 m=7
